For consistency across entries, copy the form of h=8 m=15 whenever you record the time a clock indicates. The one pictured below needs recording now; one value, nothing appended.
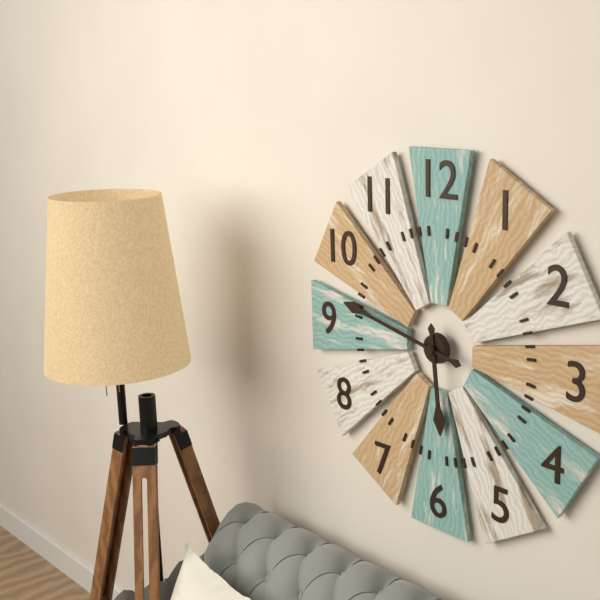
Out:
h=5 m=47
